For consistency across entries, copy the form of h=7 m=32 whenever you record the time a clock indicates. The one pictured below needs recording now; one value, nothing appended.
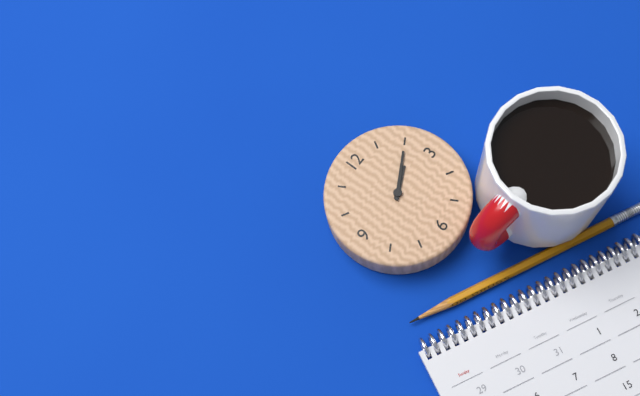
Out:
h=2 m=10
